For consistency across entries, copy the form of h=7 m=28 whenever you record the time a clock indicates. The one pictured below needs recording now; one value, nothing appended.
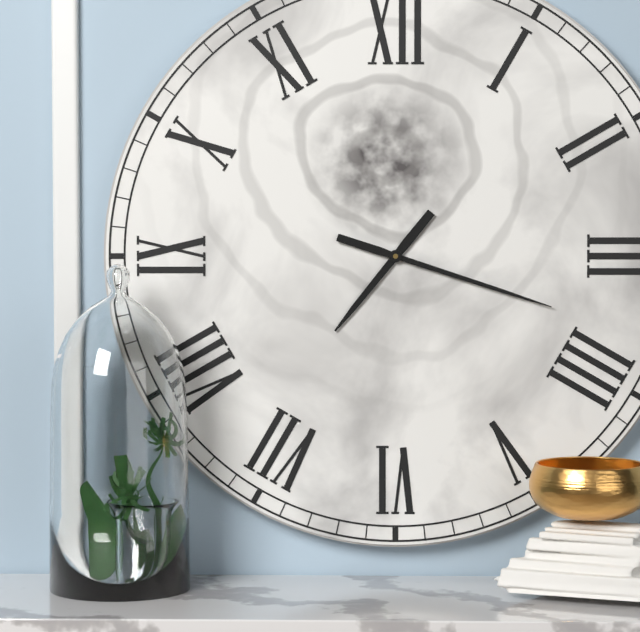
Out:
h=7 m=18
